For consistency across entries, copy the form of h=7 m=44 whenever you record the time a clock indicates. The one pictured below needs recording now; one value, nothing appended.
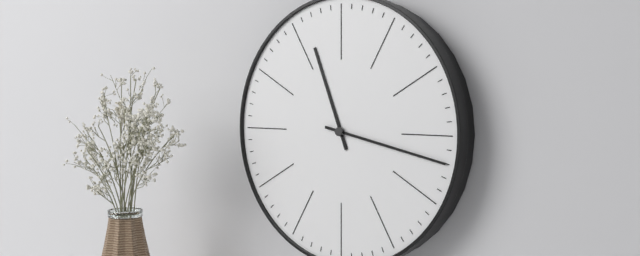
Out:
h=11 m=17
